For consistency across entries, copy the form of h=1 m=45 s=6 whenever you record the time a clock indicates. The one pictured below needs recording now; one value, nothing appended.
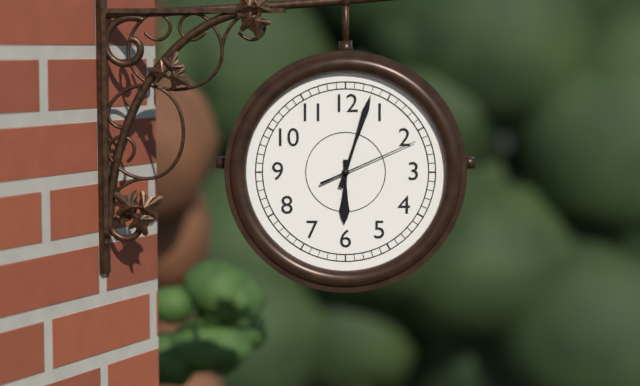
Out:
h=6 m=3 s=11
